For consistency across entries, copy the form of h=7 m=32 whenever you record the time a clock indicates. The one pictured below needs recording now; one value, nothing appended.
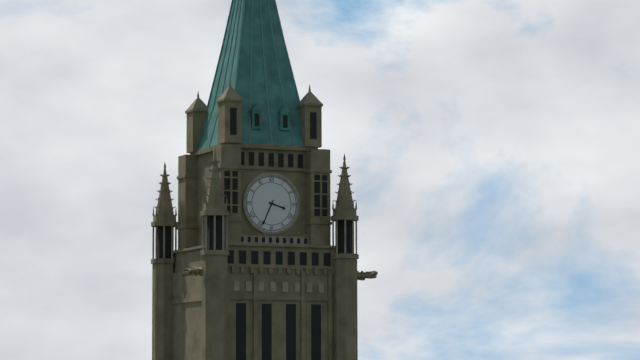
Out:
h=3 m=34
